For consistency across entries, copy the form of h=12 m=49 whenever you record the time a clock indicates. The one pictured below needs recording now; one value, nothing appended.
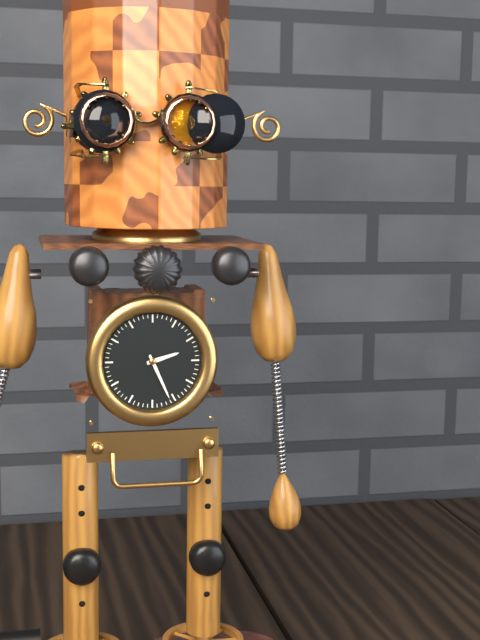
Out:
h=2 m=26
